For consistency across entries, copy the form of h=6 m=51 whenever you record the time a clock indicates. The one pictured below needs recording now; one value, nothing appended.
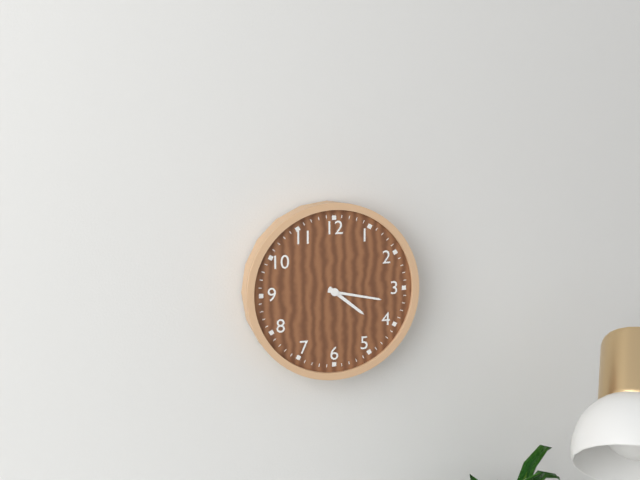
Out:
h=4 m=17
